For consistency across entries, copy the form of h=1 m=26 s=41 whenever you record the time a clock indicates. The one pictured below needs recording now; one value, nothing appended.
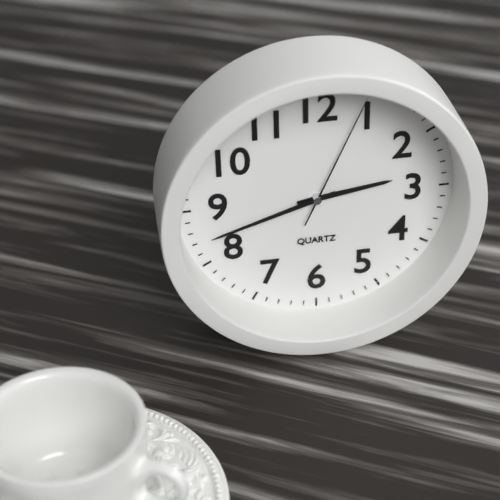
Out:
h=2 m=42 s=4
